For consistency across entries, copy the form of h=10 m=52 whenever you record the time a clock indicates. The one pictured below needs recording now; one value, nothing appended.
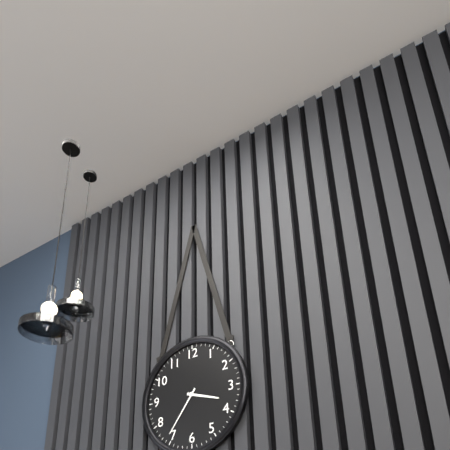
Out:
h=3 m=36
